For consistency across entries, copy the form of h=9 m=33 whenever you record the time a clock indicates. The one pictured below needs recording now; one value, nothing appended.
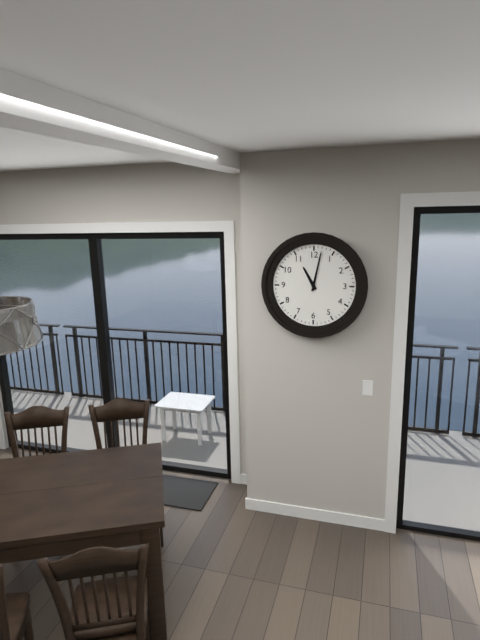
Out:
h=11 m=2
